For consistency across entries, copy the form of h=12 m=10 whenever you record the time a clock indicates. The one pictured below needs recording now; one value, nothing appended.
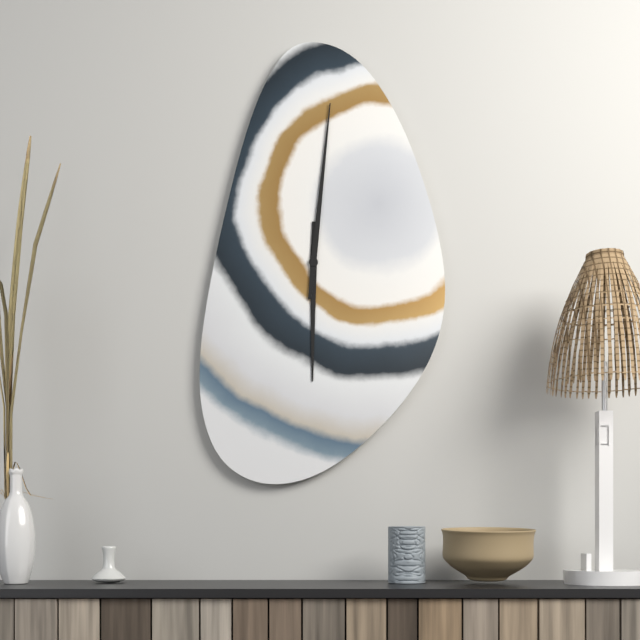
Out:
h=6 m=1
